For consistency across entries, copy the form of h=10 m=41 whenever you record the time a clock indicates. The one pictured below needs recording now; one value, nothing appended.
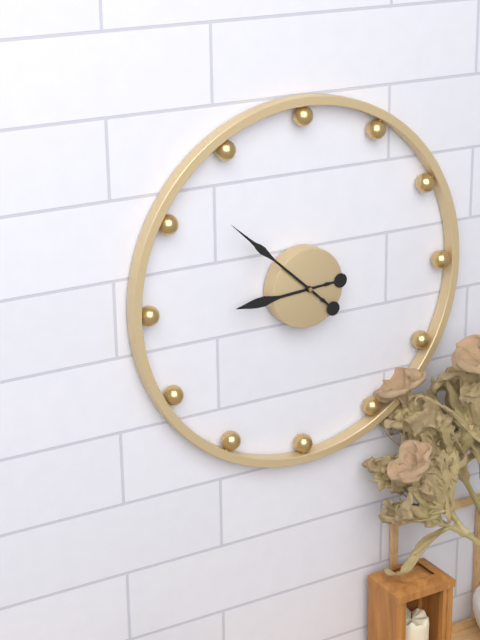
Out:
h=8 m=52
